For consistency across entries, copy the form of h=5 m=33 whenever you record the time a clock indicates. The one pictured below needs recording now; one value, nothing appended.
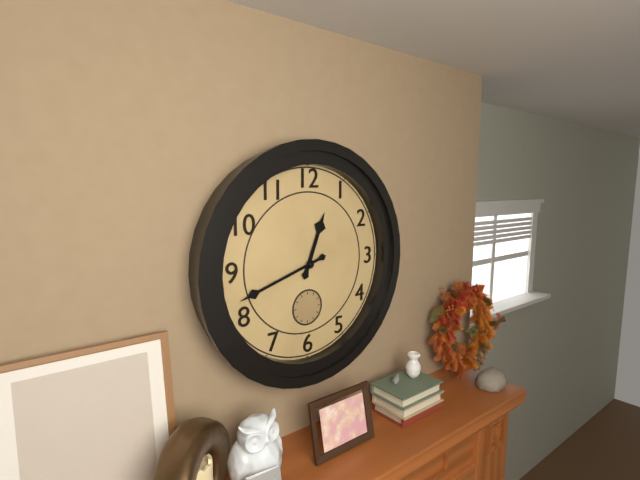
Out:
h=12 m=42
